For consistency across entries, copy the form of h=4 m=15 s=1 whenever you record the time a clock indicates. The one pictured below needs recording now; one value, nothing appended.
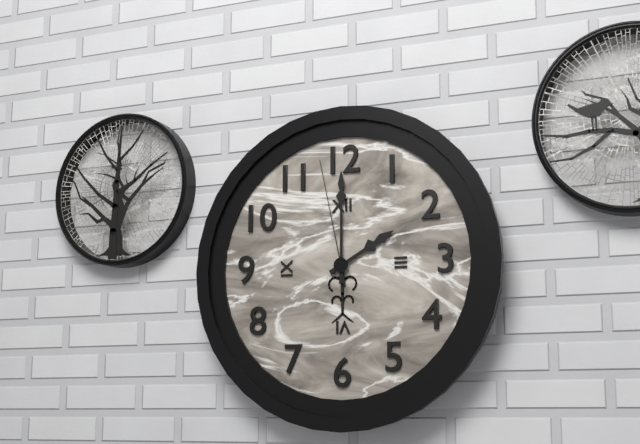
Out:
h=2 m=0 s=58
